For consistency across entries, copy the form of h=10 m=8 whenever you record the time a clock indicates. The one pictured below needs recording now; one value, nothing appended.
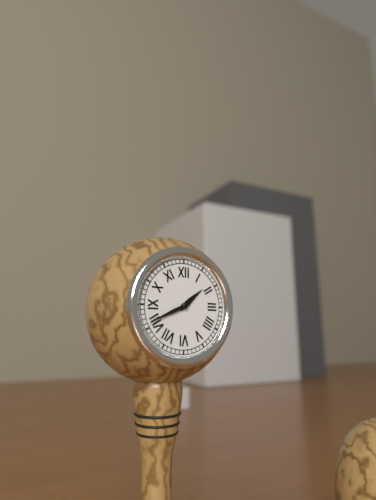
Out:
h=1 m=41
